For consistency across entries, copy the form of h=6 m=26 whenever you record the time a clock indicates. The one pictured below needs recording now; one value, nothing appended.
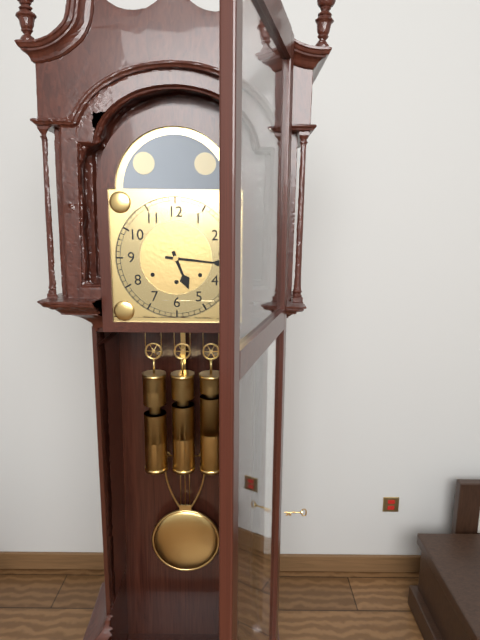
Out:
h=5 m=16
